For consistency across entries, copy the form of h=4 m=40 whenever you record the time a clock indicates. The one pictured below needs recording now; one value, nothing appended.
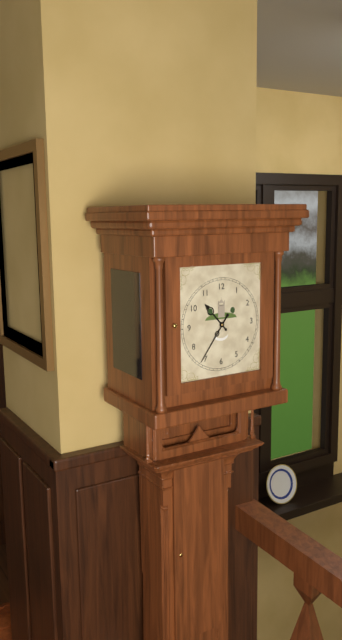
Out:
h=10 m=36
